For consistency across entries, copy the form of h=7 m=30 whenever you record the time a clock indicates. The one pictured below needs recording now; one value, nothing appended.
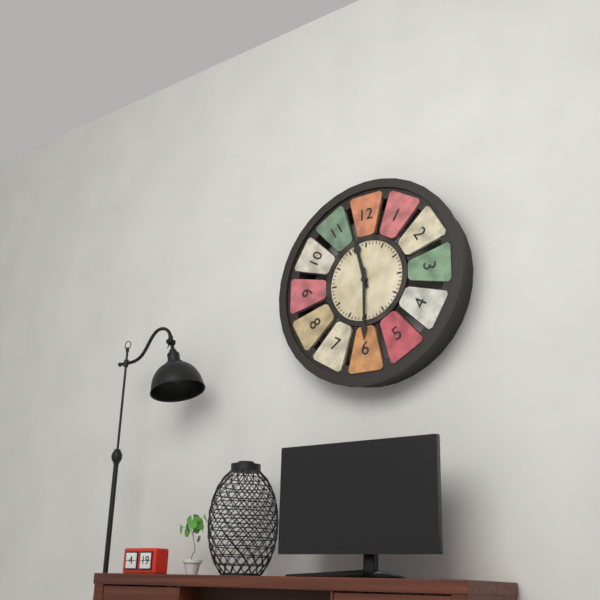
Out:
h=11 m=30
